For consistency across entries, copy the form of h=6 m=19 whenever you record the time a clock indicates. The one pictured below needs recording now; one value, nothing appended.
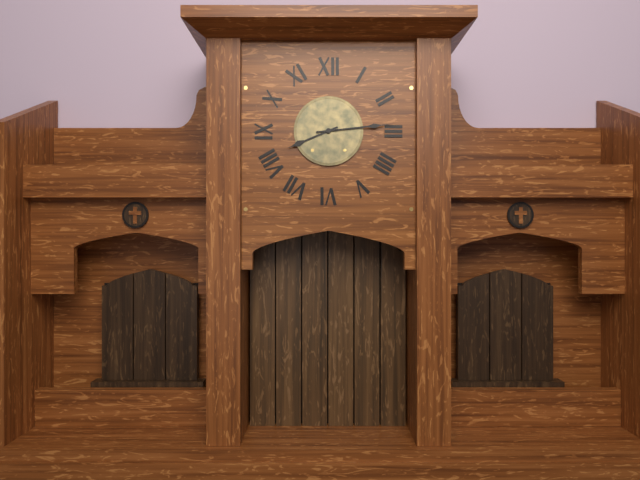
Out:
h=8 m=14
